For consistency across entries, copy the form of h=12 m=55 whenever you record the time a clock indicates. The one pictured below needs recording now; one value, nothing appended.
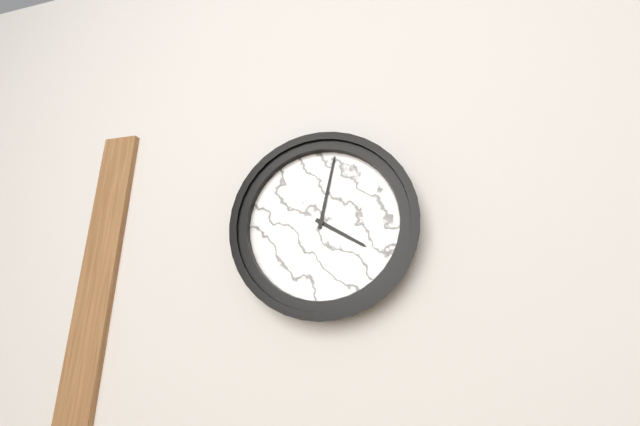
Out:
h=4 m=2
